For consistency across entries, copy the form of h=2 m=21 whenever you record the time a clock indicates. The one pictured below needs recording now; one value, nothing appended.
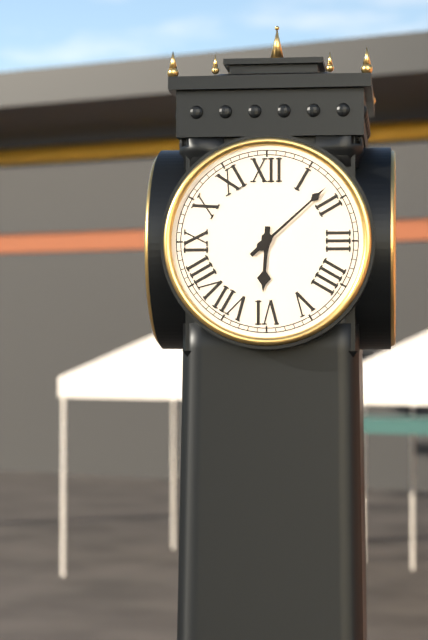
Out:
h=6 m=8
